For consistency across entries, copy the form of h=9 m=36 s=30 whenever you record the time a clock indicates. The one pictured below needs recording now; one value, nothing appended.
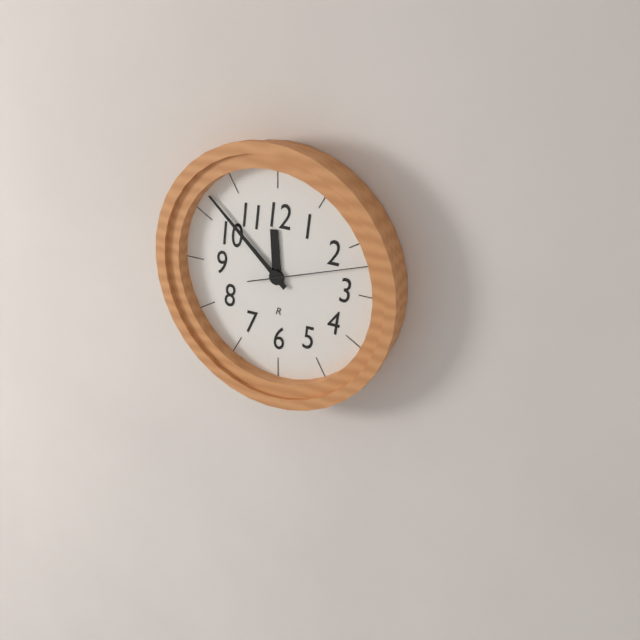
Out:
h=11 m=52 s=12
